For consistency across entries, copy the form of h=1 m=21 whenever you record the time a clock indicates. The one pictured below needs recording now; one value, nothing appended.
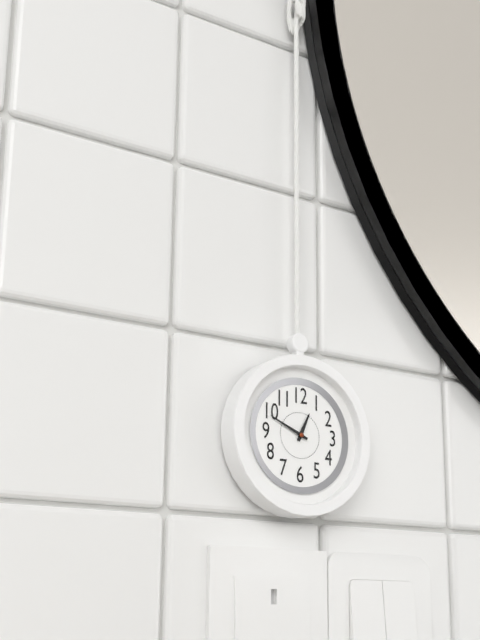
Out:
h=12 m=49
